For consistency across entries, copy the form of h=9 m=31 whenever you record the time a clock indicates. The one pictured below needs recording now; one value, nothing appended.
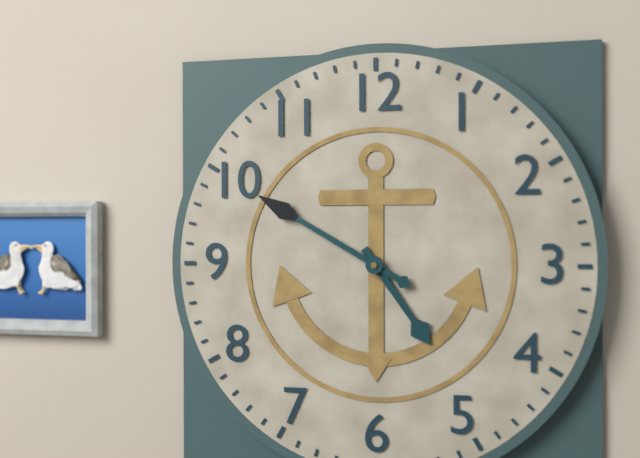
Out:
h=4 m=50
